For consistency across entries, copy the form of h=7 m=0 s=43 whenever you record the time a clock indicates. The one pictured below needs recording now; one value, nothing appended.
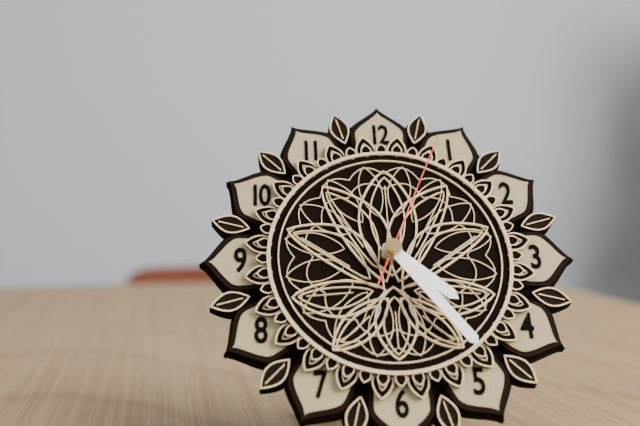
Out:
h=4 m=24 s=4
